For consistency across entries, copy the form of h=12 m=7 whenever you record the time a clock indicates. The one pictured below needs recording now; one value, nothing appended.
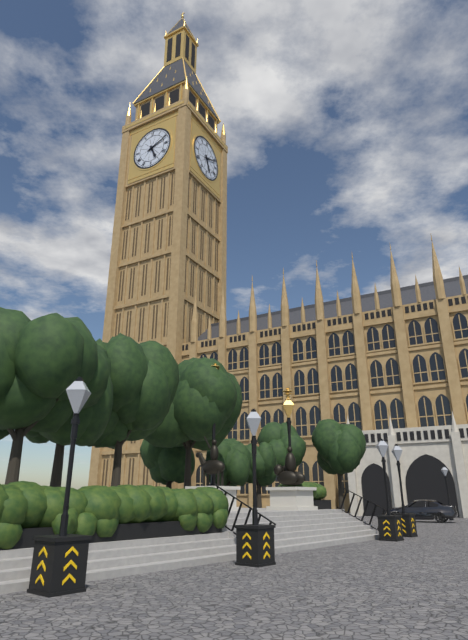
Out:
h=5 m=11
